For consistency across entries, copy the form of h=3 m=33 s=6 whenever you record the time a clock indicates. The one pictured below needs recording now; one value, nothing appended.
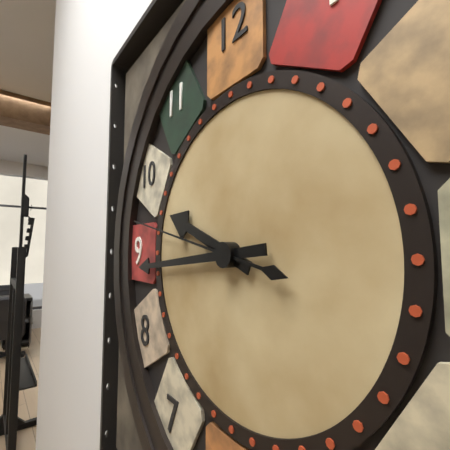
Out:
h=9 m=44 s=47
